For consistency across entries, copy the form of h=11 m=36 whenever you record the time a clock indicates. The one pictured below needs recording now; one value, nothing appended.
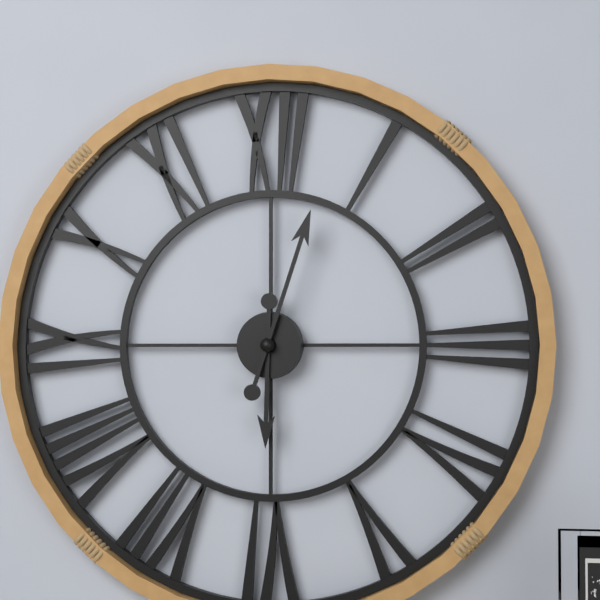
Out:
h=6 m=3
